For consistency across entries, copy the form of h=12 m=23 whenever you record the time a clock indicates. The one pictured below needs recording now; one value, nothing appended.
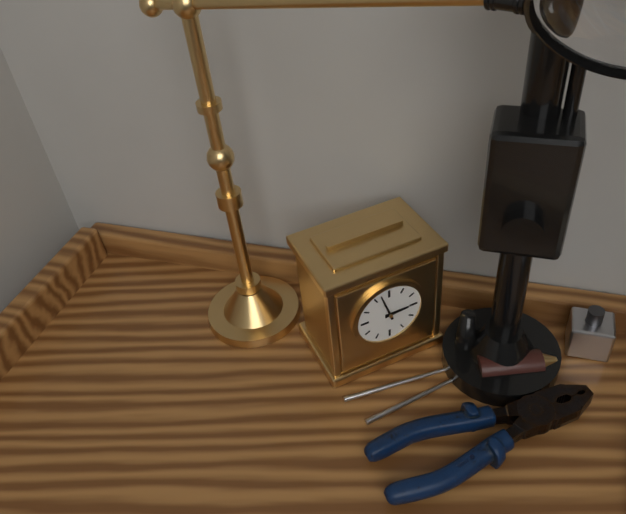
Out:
h=2 m=57
